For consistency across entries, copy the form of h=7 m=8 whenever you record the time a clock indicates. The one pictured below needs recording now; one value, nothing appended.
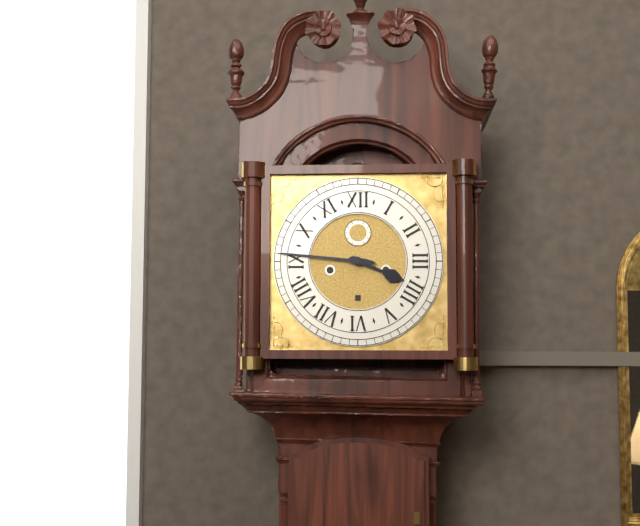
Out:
h=3 m=46
